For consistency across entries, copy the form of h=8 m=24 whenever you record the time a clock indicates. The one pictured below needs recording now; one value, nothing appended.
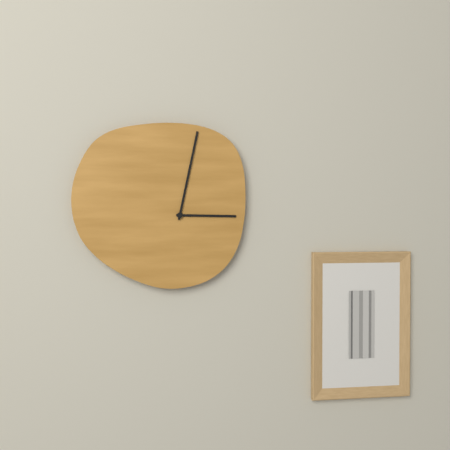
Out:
h=3 m=2
